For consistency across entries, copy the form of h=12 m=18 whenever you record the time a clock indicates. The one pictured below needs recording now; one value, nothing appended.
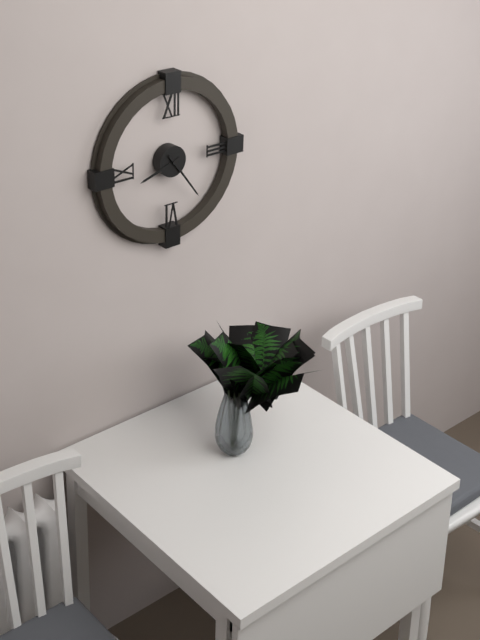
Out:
h=8 m=24
